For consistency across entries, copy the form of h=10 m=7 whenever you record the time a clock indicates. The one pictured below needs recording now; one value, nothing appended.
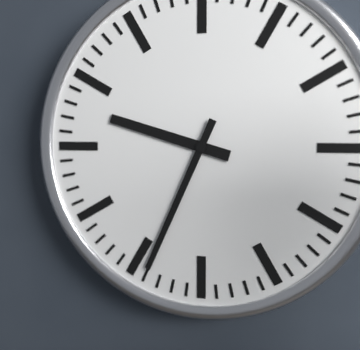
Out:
h=9 m=34
